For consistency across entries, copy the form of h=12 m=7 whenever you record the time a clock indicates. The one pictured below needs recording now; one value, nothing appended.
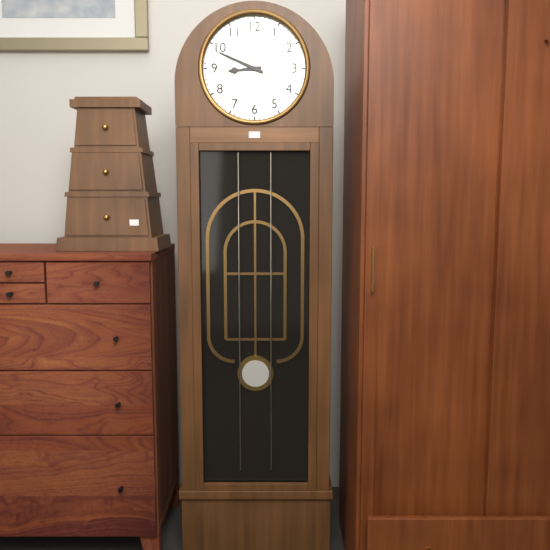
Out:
h=8 m=49
